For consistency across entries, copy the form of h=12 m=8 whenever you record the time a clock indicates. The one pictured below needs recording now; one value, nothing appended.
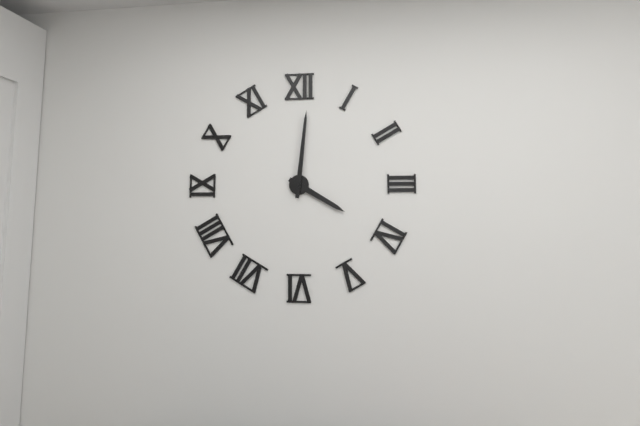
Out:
h=4 m=1
